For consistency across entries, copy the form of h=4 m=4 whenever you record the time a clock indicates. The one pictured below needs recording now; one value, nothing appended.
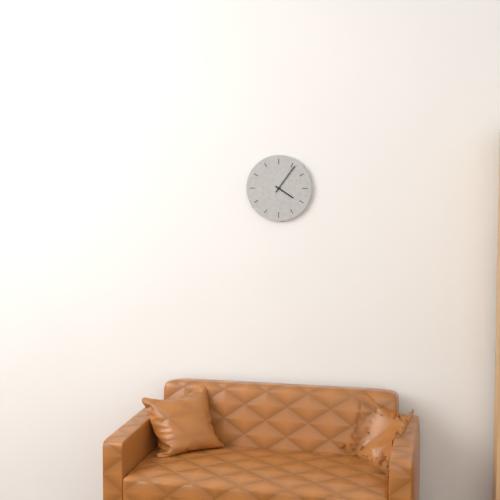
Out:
h=4 m=6
